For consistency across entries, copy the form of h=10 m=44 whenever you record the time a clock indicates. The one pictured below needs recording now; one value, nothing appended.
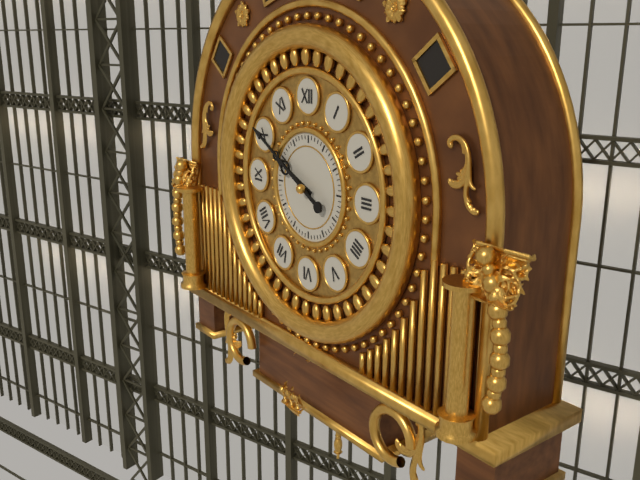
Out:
h=9 m=50
